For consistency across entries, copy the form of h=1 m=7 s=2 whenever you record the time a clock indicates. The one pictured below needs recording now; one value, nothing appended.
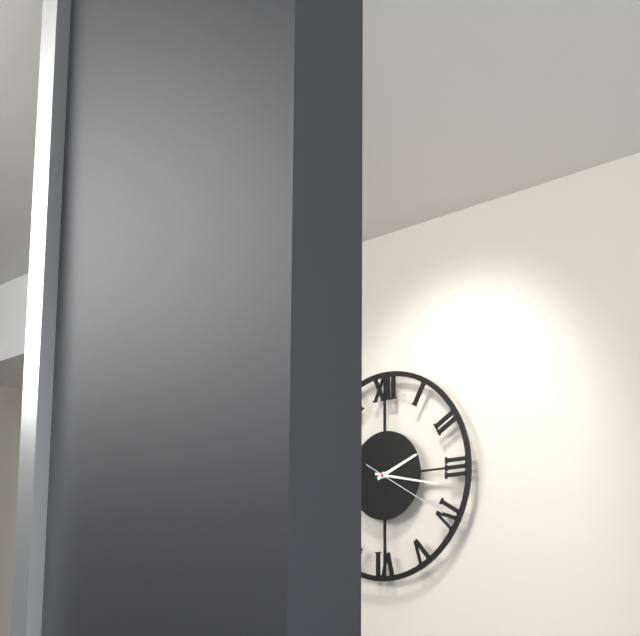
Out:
h=2 m=17 s=20
